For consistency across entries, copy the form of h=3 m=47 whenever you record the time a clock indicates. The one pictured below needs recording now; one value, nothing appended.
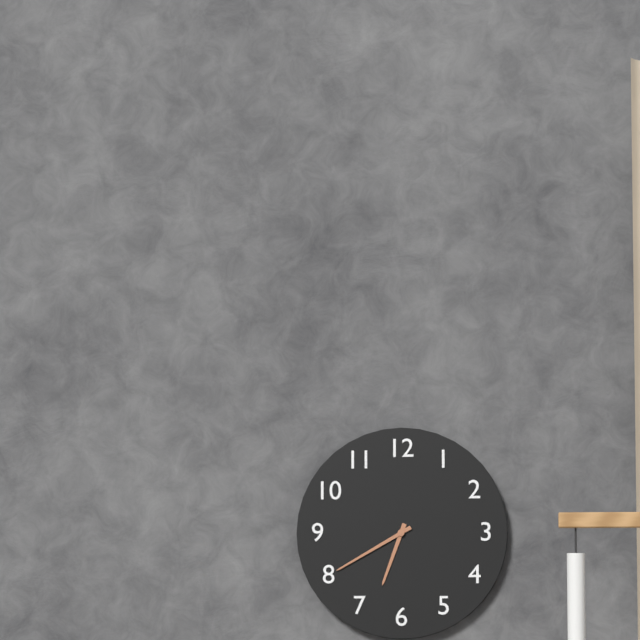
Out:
h=6 m=40
